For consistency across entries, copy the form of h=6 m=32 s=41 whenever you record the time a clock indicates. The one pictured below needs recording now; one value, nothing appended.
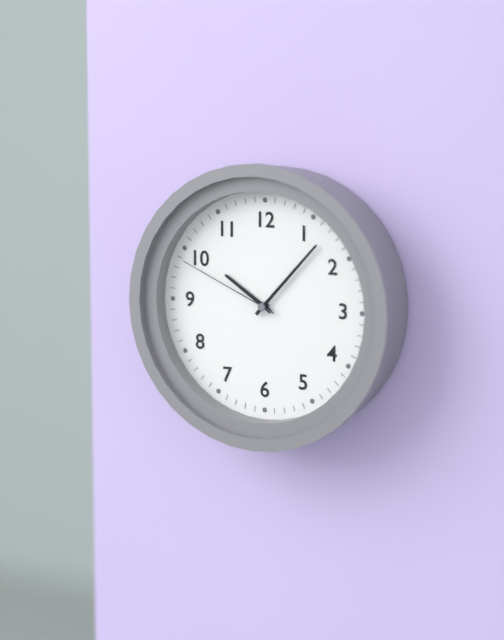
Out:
h=10 m=7 s=49
